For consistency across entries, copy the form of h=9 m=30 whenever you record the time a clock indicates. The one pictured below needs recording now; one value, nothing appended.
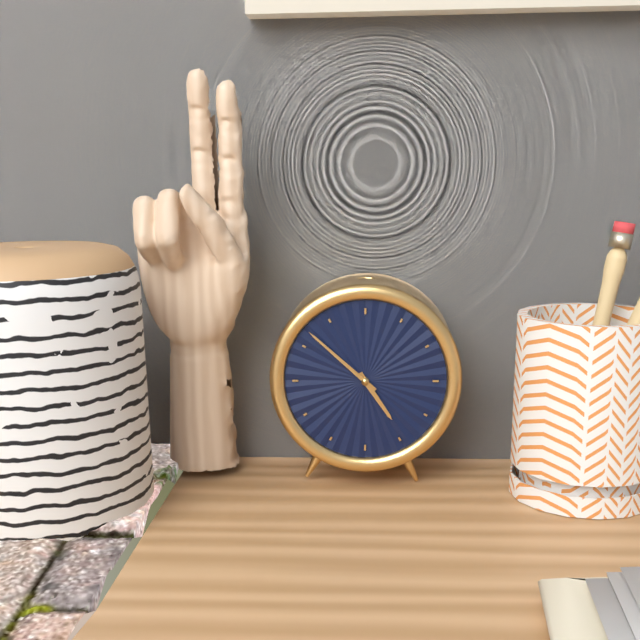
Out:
h=4 m=52
